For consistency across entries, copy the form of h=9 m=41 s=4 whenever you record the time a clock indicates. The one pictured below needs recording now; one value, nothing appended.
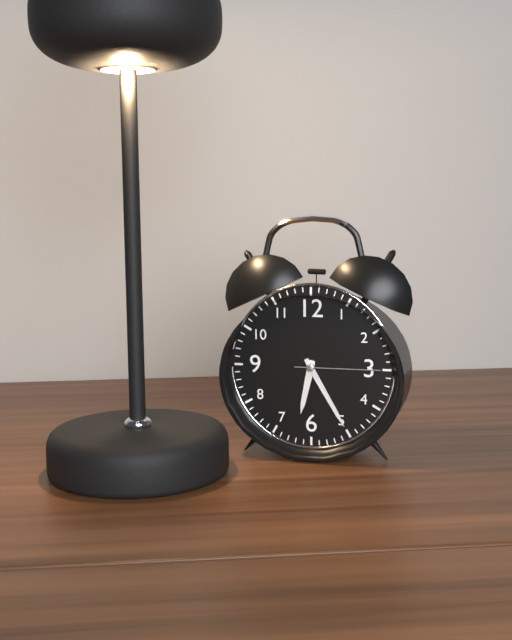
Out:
h=6 m=25 s=15
